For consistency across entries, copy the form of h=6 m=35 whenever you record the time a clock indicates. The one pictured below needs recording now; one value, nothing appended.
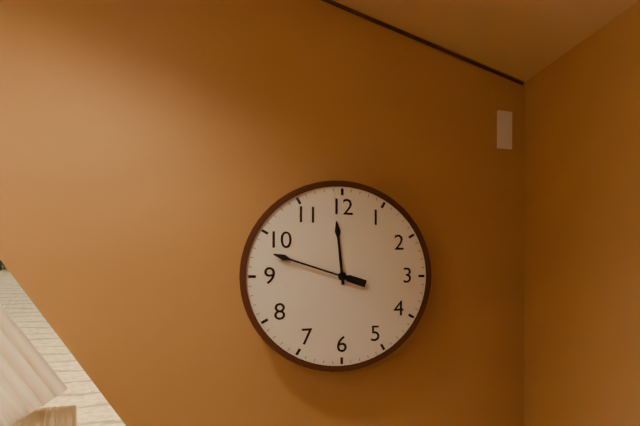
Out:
h=11 m=48
